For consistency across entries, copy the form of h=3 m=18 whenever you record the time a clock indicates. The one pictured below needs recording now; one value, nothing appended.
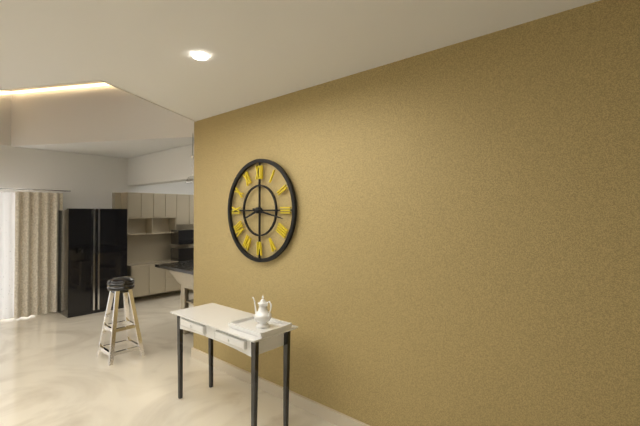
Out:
h=8 m=17
